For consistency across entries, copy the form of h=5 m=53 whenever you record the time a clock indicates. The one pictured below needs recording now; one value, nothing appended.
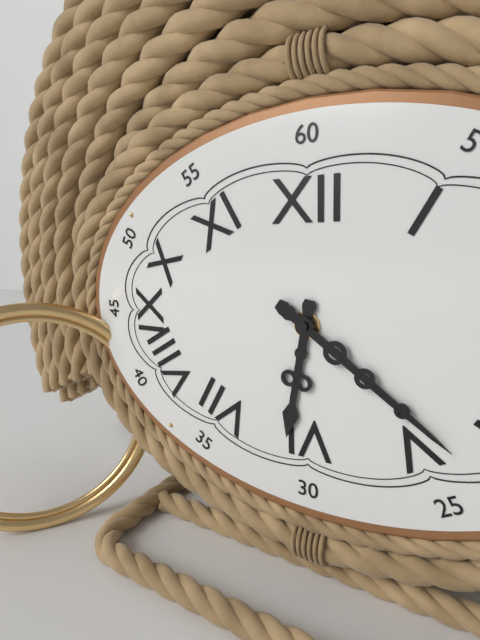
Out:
h=6 m=21
